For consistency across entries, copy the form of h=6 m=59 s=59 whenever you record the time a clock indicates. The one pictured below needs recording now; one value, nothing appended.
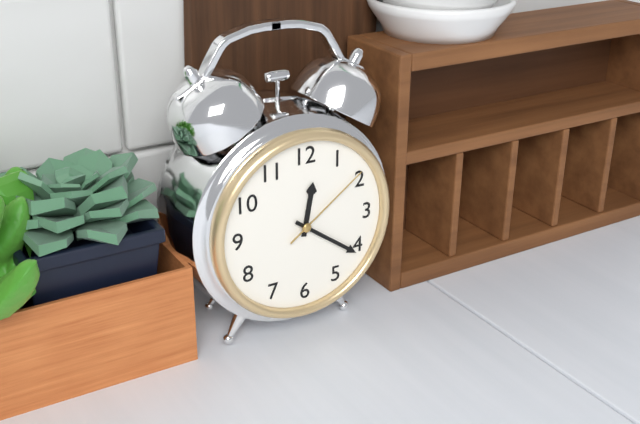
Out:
h=12 m=21 s=9
